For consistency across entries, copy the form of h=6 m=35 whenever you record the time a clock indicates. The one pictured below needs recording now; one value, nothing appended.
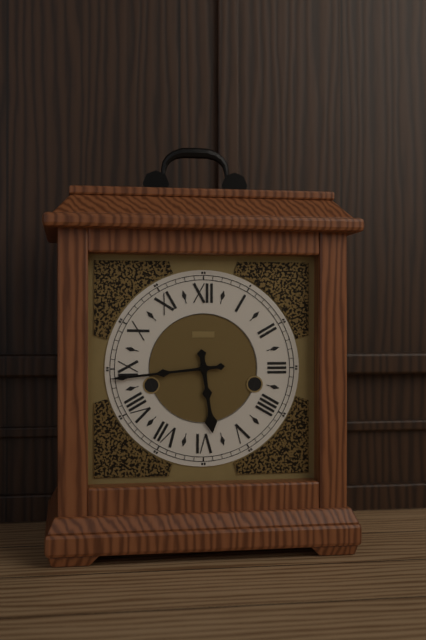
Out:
h=5 m=44
